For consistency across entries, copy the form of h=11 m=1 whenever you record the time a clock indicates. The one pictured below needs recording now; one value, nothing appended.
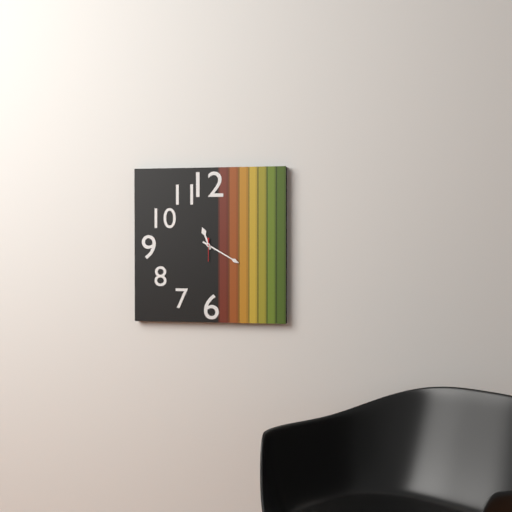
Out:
h=11 m=20
